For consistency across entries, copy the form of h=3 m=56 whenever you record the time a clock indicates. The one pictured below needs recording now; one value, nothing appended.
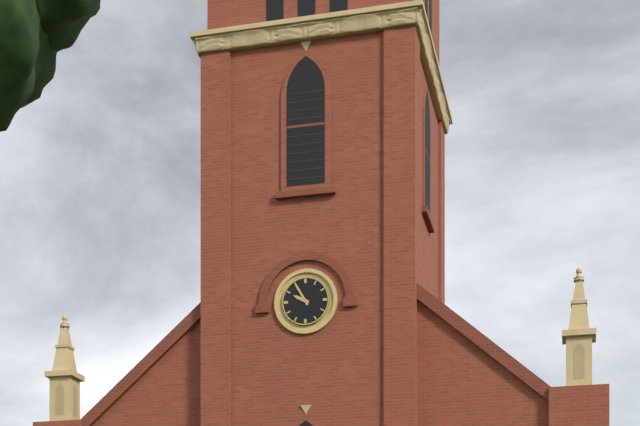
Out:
h=9 m=55
